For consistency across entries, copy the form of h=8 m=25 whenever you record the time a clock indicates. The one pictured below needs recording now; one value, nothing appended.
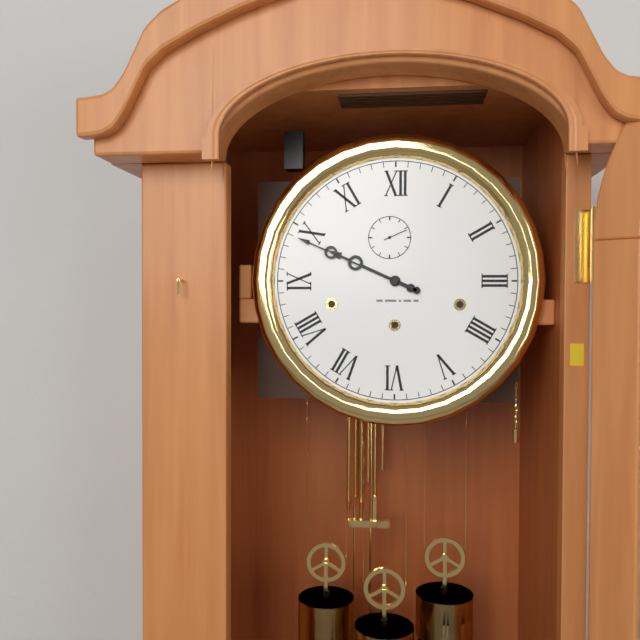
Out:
h=9 m=49
